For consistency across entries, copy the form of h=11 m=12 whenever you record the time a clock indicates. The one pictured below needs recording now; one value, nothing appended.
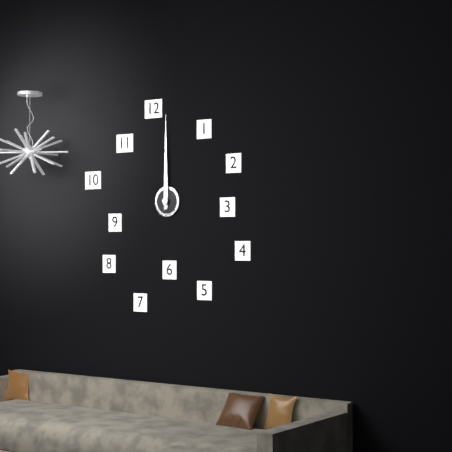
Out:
h=12 m=0
